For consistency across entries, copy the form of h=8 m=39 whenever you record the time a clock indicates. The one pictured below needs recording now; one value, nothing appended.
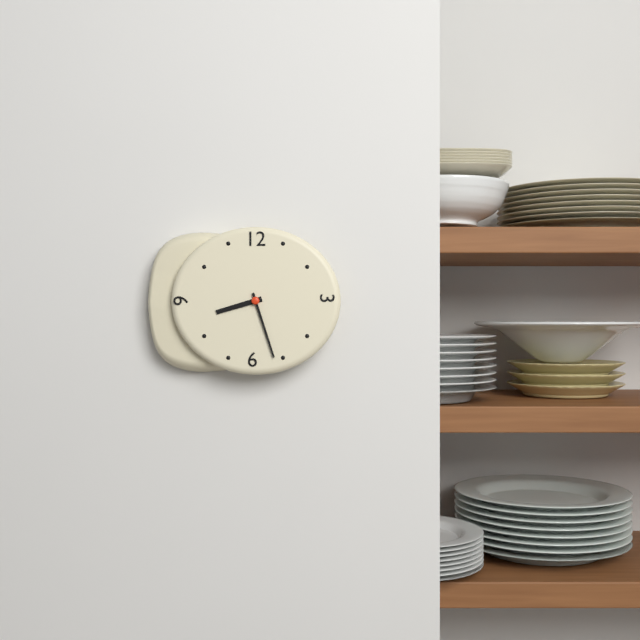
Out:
h=8 m=27
